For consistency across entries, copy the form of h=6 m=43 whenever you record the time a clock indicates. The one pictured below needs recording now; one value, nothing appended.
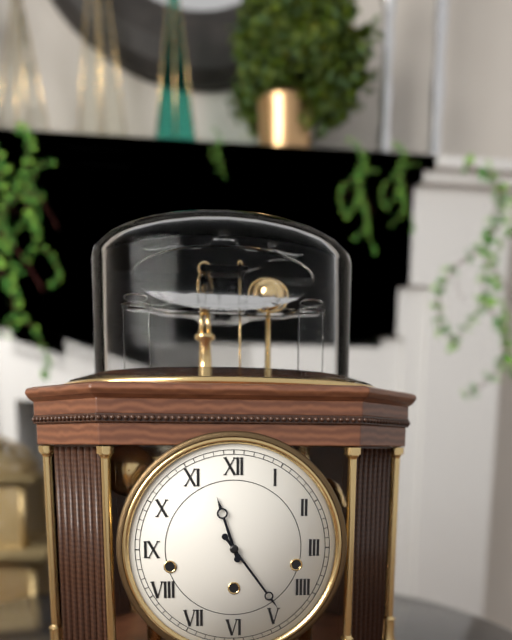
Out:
h=11 m=24
